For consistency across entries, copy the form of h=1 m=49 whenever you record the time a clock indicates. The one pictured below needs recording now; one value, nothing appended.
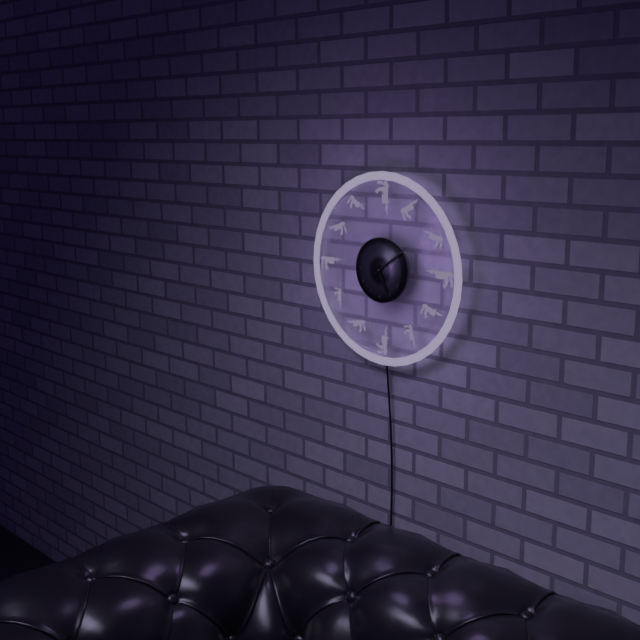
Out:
h=5 m=9
